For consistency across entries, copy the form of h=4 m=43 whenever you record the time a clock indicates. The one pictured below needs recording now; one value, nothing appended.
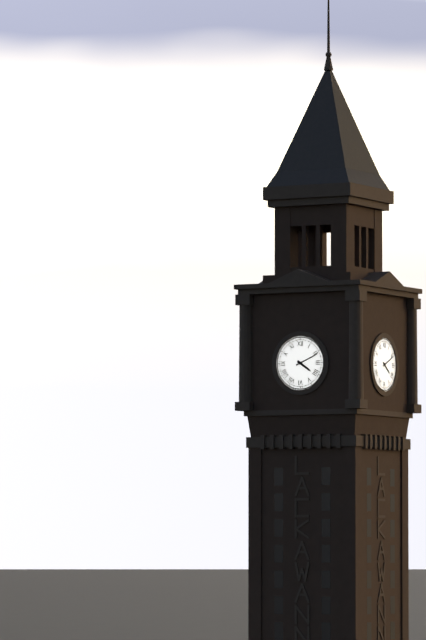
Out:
h=4 m=11
